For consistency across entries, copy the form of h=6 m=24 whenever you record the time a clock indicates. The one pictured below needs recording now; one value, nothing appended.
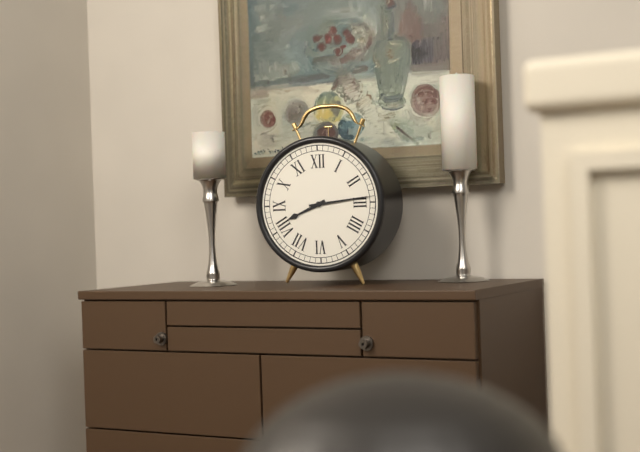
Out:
h=8 m=14
